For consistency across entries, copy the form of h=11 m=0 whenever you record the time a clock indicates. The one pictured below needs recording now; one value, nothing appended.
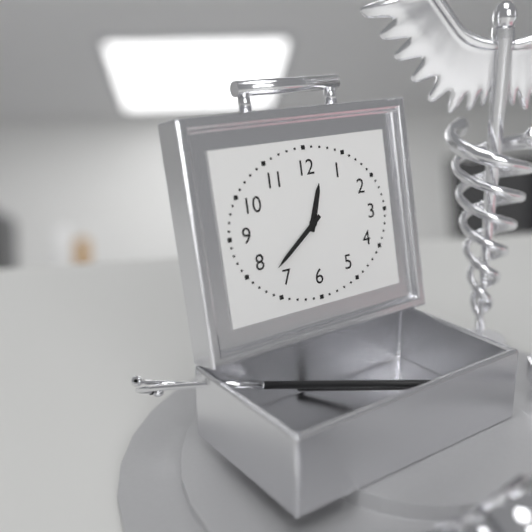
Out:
h=12 m=39
